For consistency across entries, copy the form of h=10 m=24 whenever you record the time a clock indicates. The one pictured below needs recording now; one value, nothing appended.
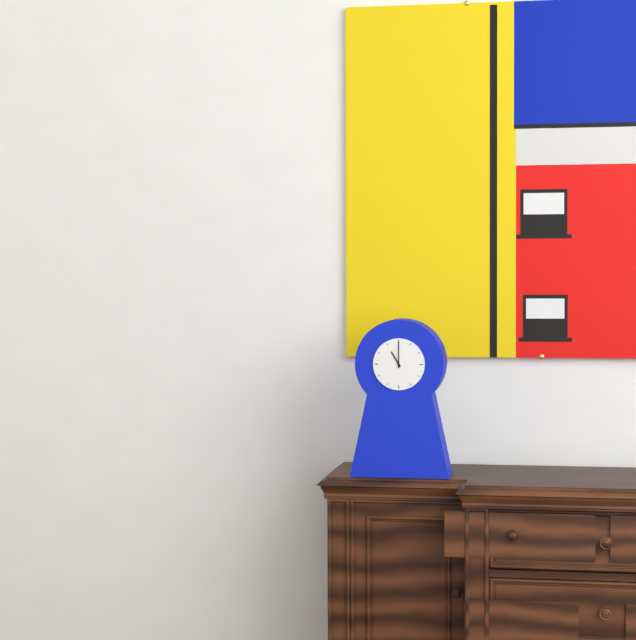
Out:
h=11 m=0
